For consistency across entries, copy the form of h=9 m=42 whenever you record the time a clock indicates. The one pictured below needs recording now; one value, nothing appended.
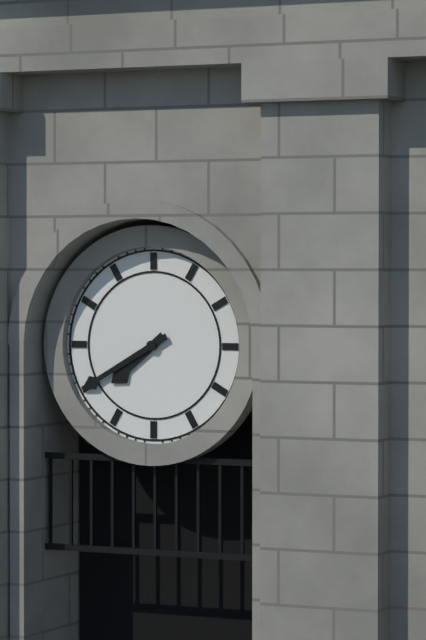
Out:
h=7 m=40
